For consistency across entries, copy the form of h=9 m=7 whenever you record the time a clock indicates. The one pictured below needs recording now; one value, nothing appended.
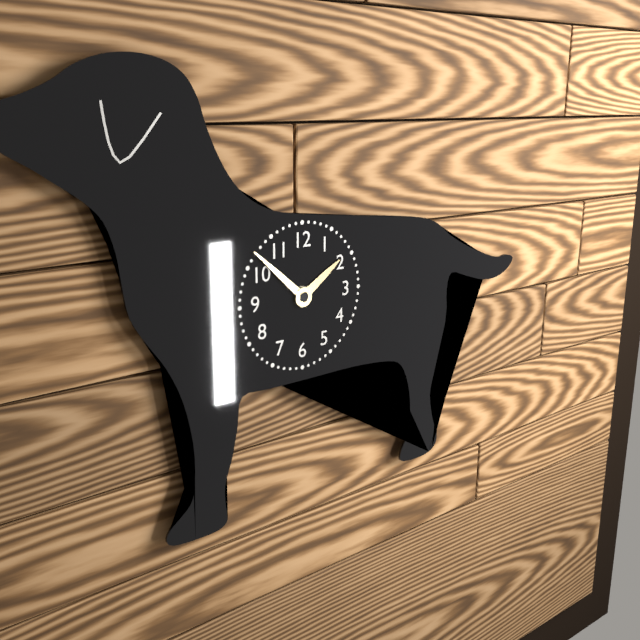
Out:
h=1 m=52
